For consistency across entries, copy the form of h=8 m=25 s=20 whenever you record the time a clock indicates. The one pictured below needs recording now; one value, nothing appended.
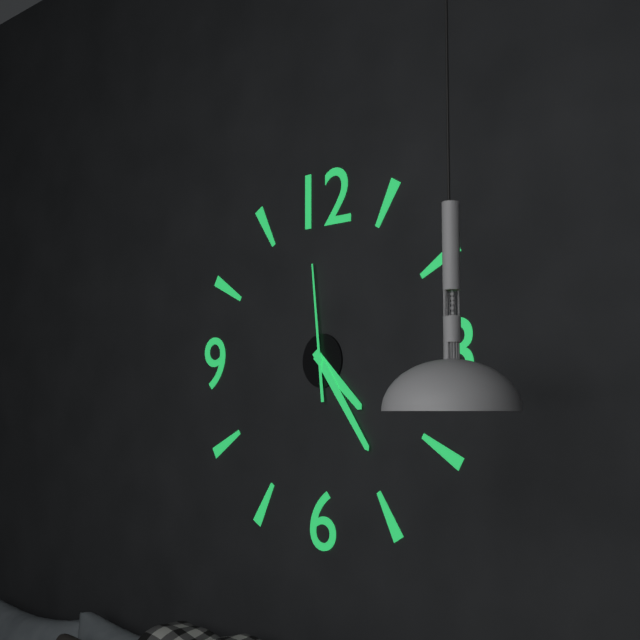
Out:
h=4 m=24 s=59
